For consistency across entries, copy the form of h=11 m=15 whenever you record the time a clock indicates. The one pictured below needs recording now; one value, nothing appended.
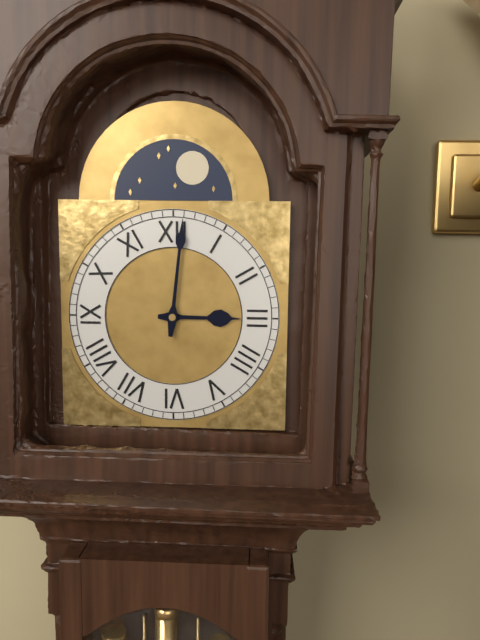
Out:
h=3 m=1
